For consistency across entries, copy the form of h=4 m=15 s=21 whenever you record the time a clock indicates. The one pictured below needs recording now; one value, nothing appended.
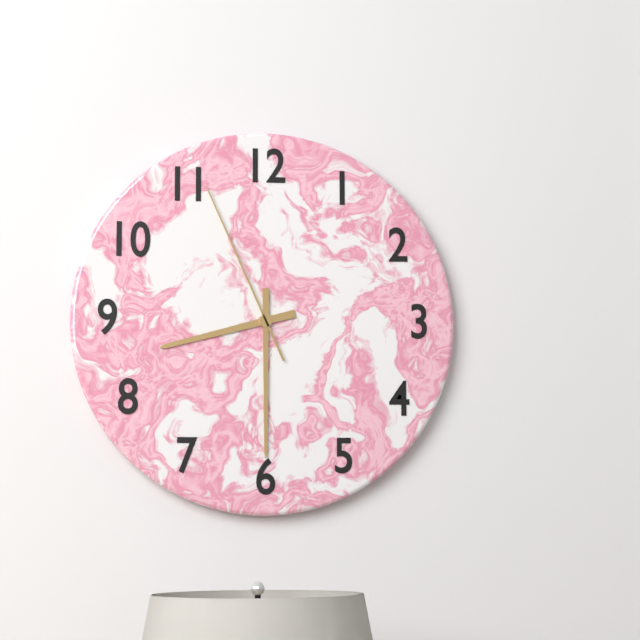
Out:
h=8 m=30 s=56
